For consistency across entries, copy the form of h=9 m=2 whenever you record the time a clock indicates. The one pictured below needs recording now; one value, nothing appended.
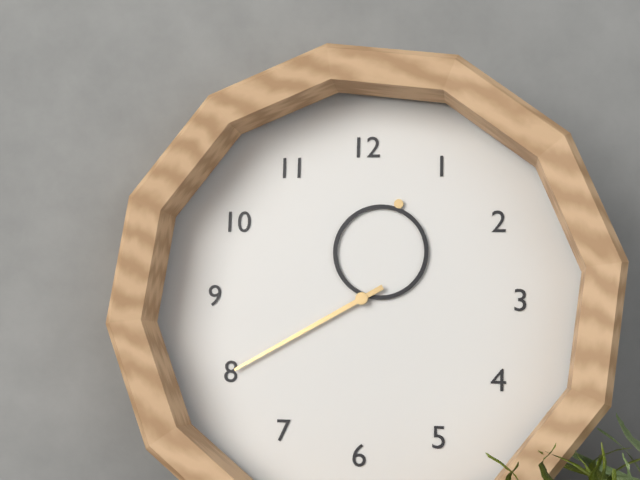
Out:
h=12 m=40
